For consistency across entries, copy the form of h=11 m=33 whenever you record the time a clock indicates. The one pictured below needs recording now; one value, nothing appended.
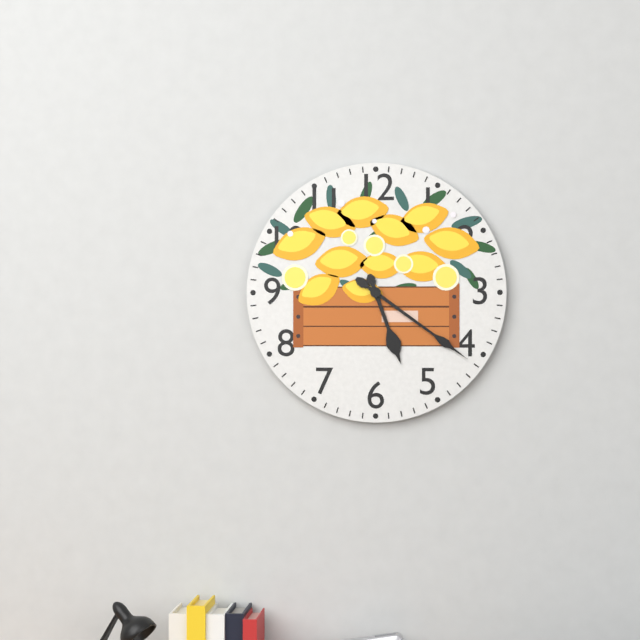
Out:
h=5 m=21
